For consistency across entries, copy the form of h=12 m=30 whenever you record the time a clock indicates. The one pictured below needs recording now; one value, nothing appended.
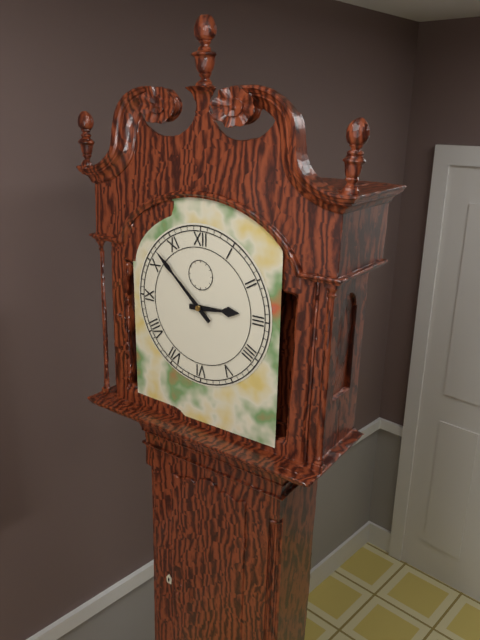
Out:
h=2 m=52
